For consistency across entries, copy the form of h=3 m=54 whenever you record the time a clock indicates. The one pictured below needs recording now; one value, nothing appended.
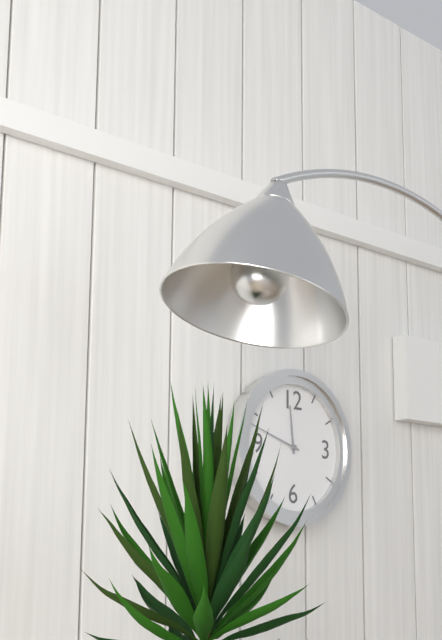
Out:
h=11 m=48
